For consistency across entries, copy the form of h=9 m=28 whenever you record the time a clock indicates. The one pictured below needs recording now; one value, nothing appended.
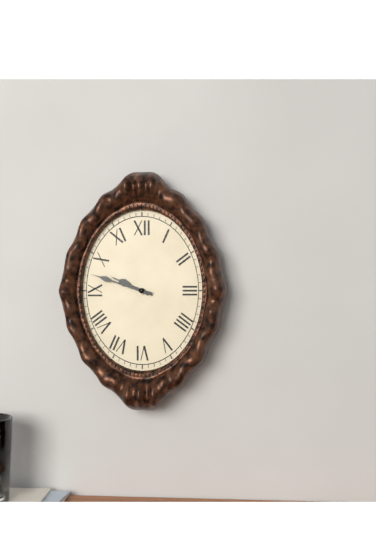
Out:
h=9 m=48
